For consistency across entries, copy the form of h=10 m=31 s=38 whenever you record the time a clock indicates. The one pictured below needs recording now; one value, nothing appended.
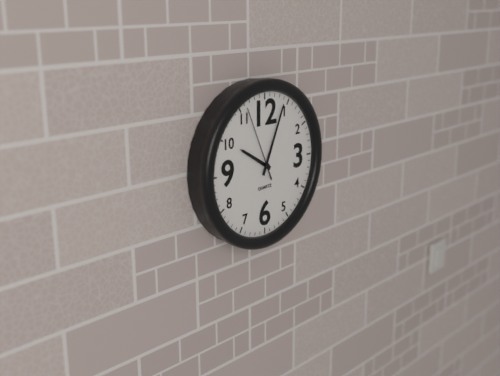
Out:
h=10 m=4 s=56
